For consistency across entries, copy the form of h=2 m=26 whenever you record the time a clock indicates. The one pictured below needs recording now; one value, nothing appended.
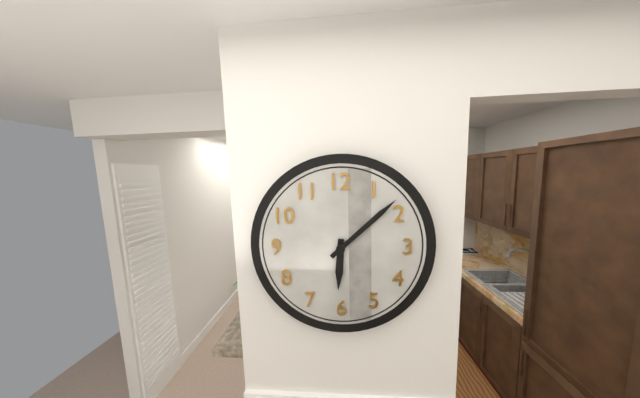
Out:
h=6 m=8
